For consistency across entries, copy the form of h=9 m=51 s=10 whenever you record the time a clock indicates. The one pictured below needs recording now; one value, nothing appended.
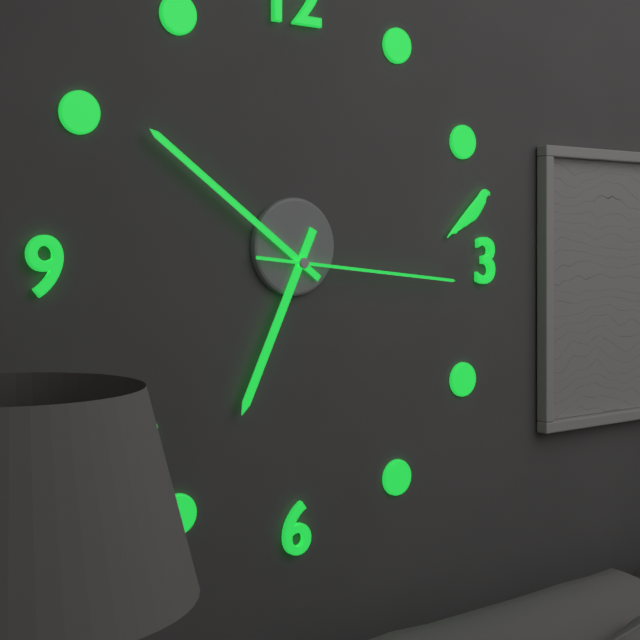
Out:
h=6 m=51 s=16
